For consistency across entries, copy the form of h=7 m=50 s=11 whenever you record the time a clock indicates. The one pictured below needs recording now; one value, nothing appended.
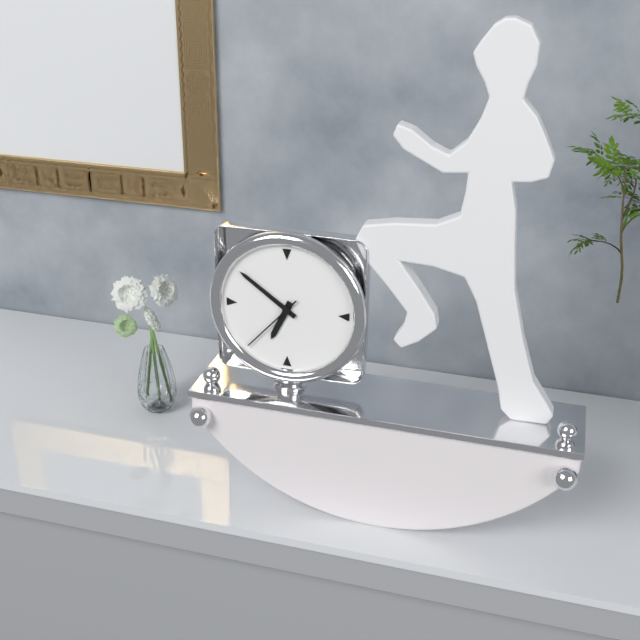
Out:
h=6 m=51 s=37
